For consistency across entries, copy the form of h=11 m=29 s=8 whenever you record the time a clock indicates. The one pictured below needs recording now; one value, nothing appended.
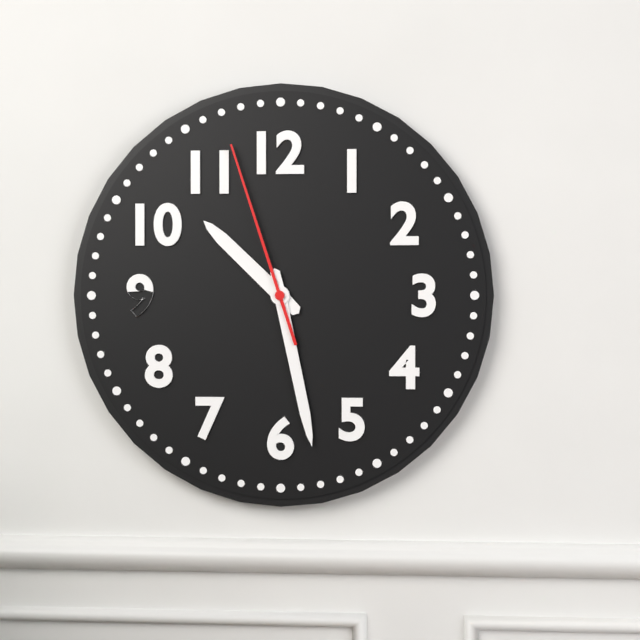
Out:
h=10 m=28 s=57
